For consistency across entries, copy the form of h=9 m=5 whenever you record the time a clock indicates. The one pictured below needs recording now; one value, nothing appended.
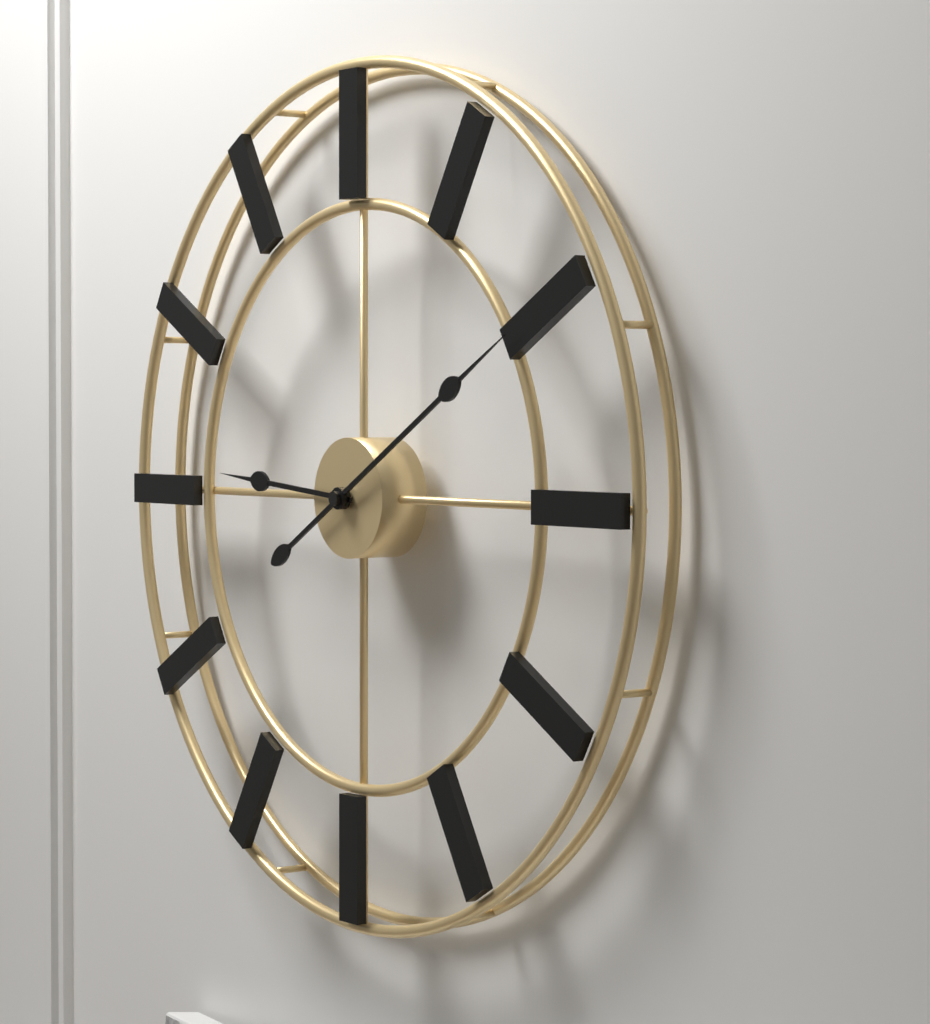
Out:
h=9 m=10
